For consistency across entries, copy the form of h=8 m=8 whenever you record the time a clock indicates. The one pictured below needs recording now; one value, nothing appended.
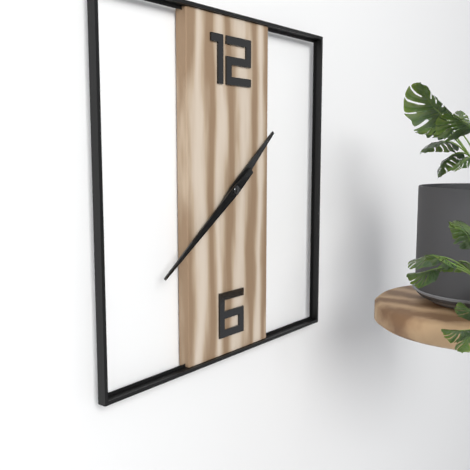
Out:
h=1 m=39
